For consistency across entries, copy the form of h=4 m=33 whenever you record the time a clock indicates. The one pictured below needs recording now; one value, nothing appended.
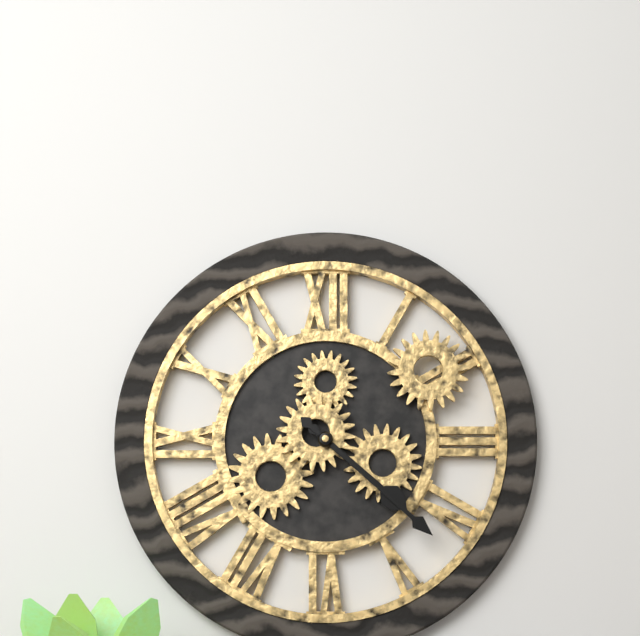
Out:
h=4 m=22
